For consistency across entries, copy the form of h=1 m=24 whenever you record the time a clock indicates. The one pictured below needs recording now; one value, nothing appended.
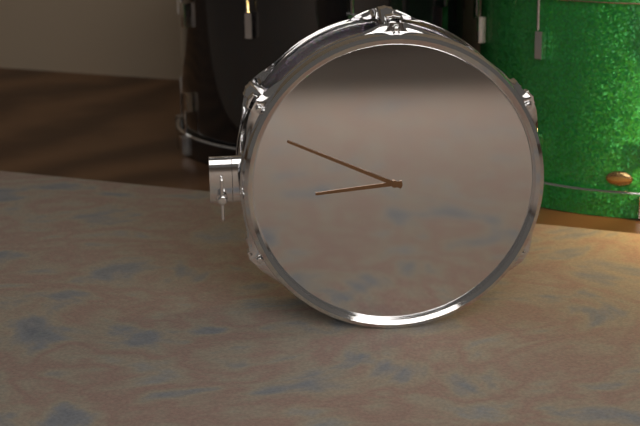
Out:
h=8 m=49
